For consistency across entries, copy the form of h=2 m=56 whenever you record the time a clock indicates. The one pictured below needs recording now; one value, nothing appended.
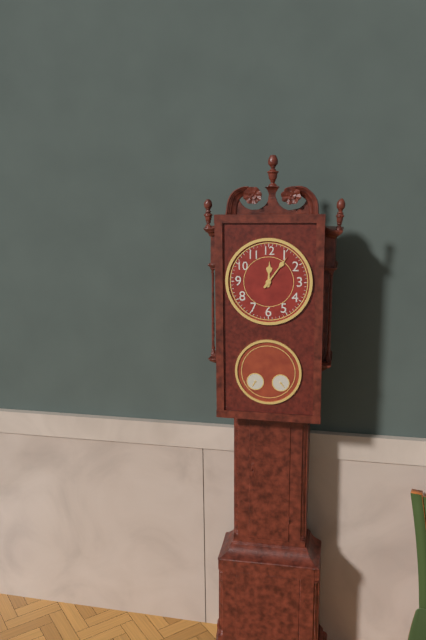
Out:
h=12 m=6
